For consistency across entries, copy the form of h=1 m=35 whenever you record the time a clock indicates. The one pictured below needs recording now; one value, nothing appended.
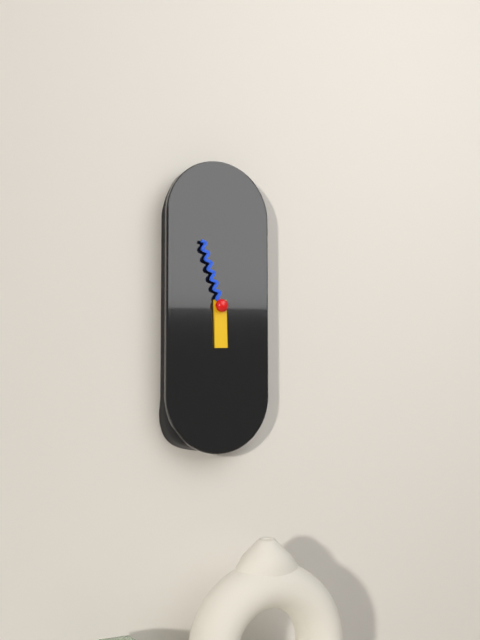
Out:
h=5 m=57
